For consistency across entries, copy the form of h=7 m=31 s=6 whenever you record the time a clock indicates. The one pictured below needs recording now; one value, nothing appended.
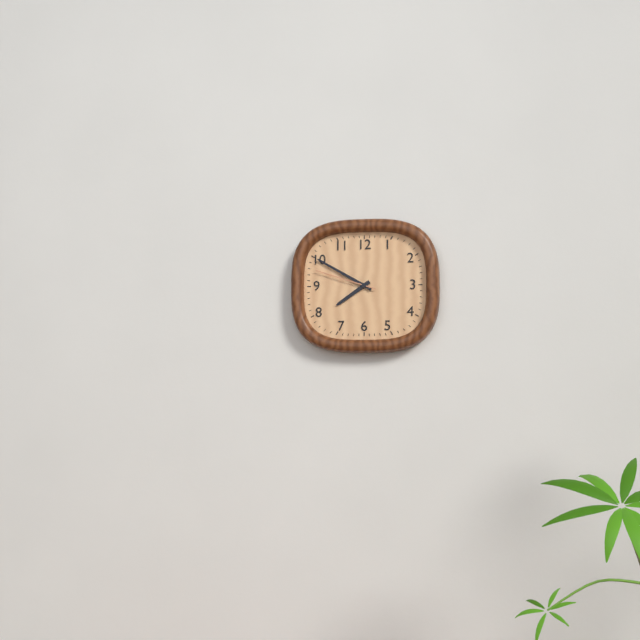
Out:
h=7 m=50 s=48
